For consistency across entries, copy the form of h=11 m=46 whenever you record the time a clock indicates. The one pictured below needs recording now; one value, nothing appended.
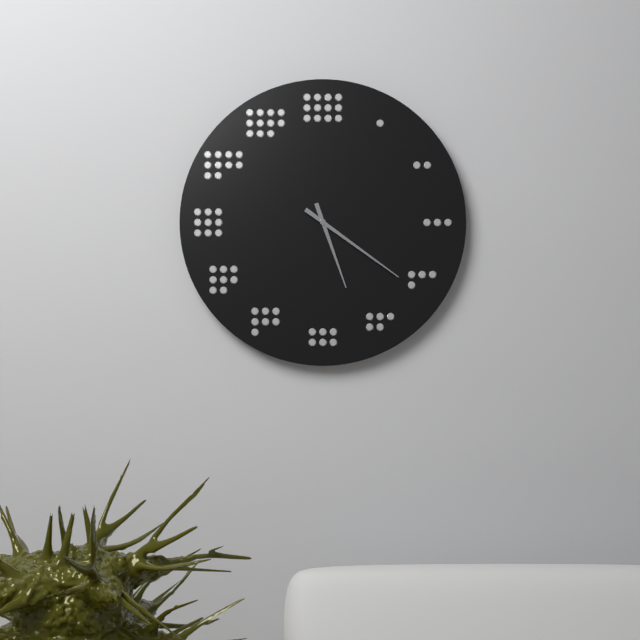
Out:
h=5 m=21
